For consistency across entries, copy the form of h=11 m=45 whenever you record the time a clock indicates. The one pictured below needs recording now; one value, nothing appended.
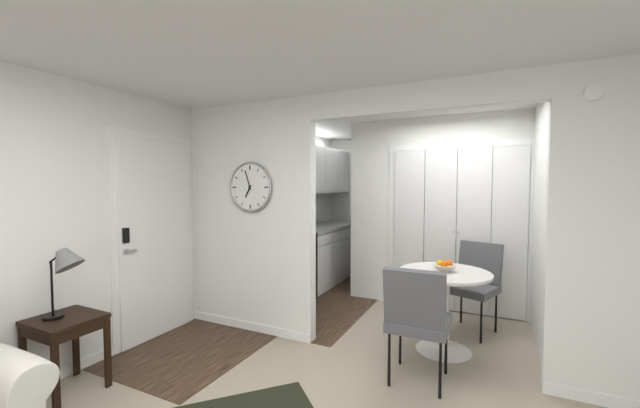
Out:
h=6 m=57
